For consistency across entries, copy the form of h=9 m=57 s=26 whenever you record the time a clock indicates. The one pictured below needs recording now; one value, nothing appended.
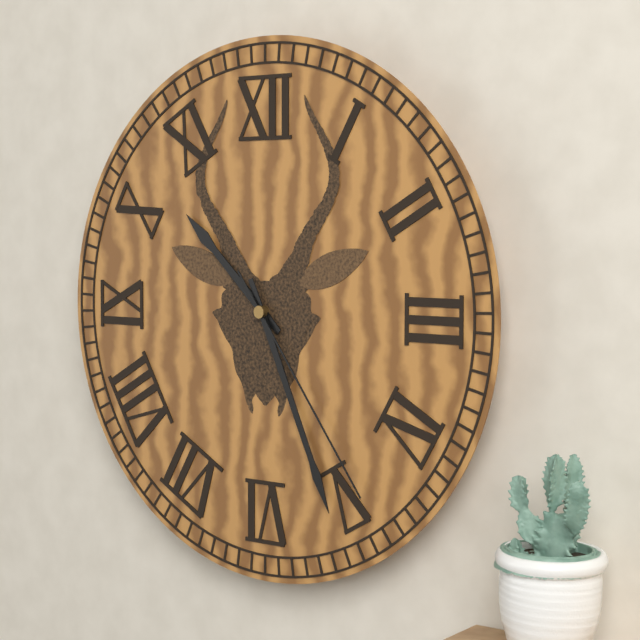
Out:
h=10 m=26 s=24
